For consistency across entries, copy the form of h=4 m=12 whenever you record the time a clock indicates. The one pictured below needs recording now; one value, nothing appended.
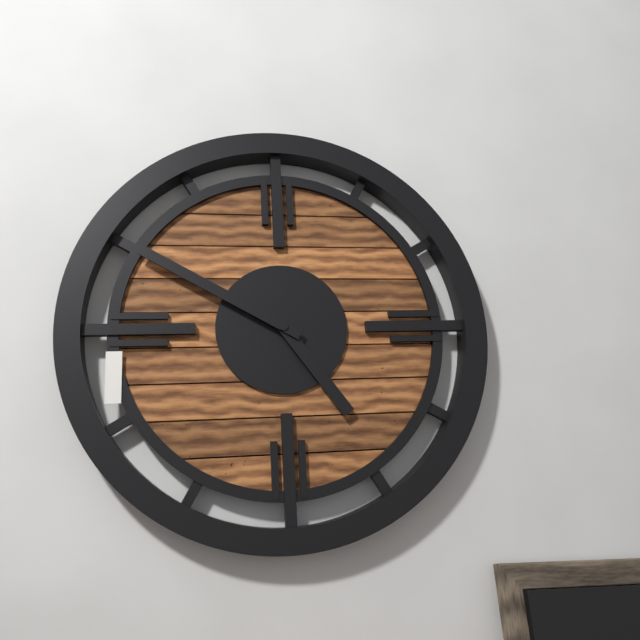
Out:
h=4 m=50
